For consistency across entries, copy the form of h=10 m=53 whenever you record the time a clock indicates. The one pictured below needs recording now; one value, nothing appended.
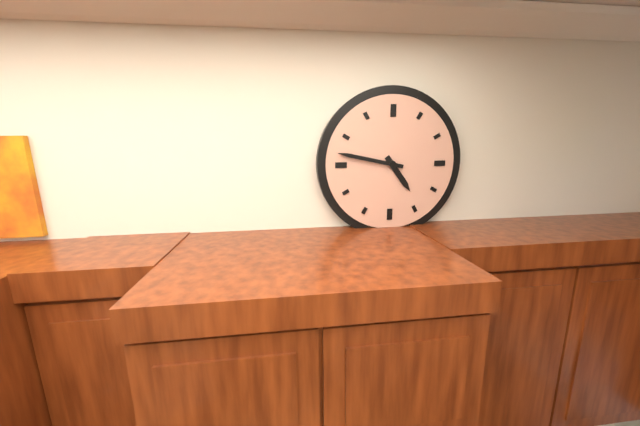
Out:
h=4 m=47
